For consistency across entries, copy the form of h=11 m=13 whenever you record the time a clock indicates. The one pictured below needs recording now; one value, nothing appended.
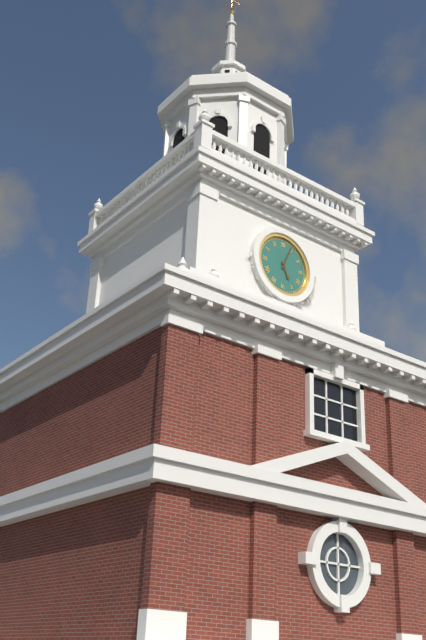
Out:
h=5 m=4
